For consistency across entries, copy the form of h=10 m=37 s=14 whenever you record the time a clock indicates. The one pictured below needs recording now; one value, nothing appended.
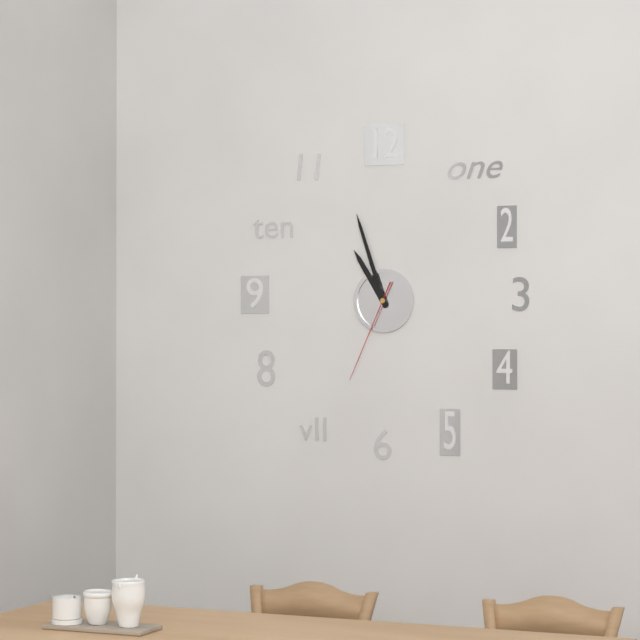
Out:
h=10 m=57 s=34
